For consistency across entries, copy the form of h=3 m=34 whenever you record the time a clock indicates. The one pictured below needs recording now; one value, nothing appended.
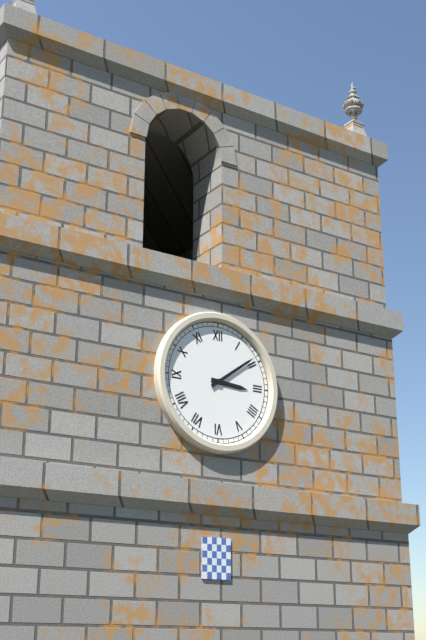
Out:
h=3 m=9
